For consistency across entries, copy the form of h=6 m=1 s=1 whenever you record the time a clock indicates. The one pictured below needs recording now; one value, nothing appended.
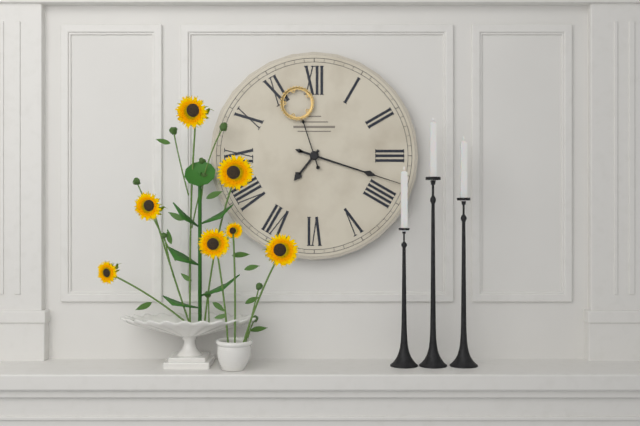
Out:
h=7 m=18 s=57
